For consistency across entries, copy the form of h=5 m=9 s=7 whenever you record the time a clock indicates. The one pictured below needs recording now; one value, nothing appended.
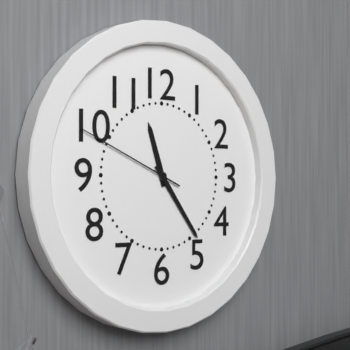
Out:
h=11 m=24 s=49
